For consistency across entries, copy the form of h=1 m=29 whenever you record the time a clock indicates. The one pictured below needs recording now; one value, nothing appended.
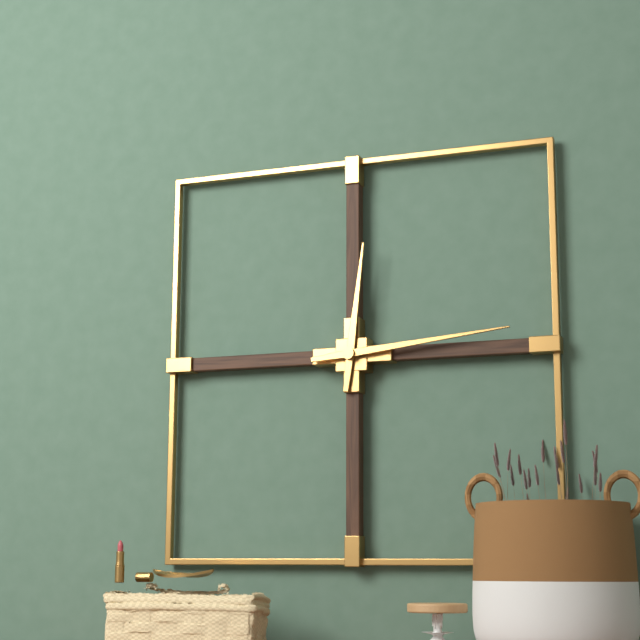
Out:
h=12 m=14
